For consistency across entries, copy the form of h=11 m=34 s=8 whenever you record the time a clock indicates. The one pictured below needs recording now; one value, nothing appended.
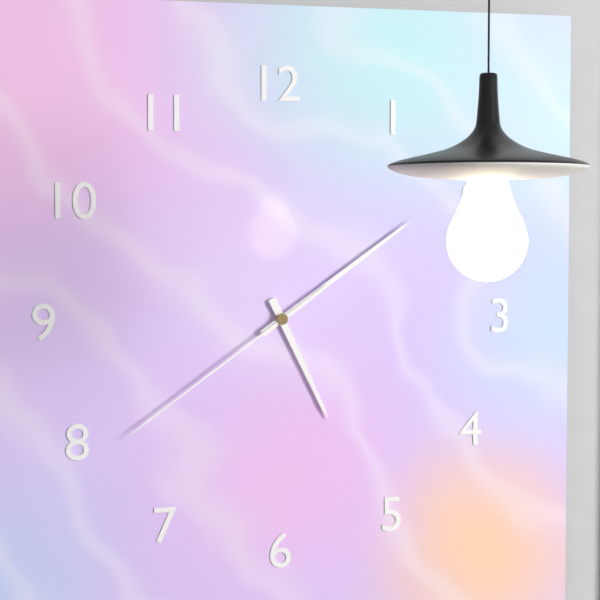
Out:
h=5 m=9 s=39
